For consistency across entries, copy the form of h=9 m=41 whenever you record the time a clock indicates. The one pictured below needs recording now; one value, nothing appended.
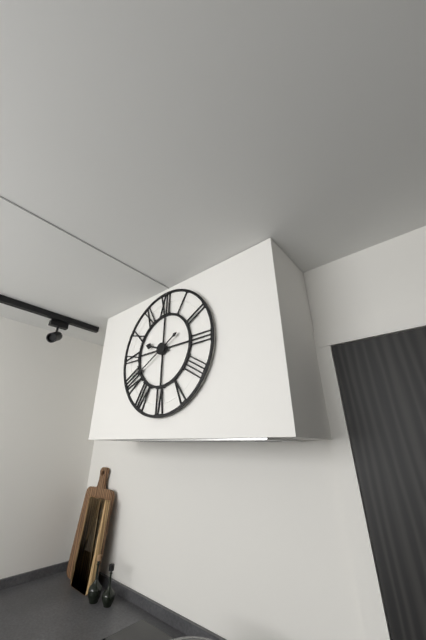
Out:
h=9 m=40
